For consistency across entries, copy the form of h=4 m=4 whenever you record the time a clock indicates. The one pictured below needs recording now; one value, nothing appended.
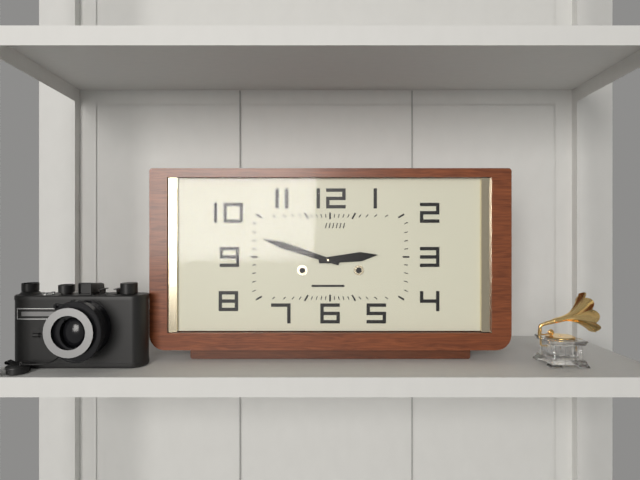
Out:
h=2 m=48
